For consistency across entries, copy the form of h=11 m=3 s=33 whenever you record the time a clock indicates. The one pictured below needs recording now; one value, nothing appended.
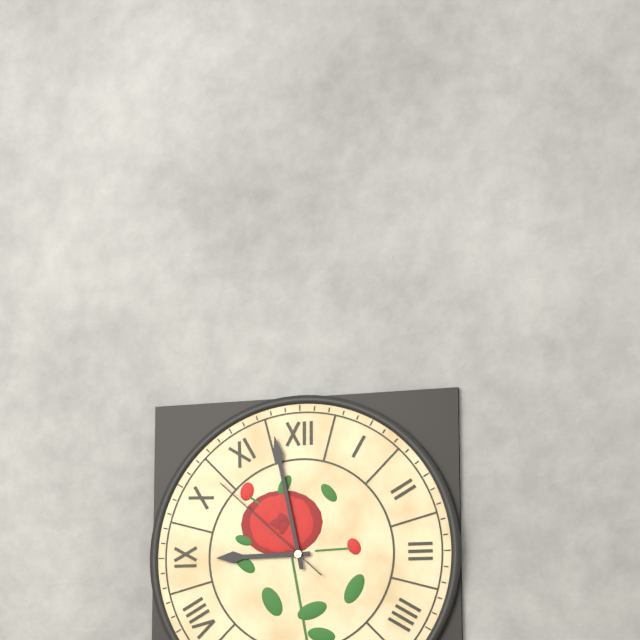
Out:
h=8 m=58 s=52
